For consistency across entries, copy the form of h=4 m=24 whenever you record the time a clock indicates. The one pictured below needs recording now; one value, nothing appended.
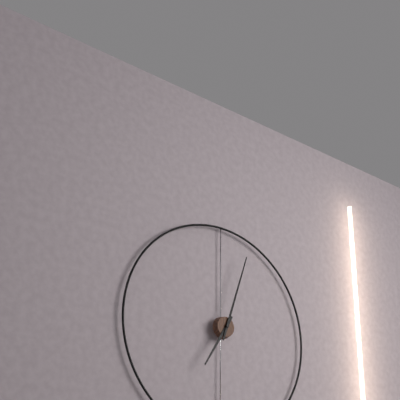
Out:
h=7 m=3
